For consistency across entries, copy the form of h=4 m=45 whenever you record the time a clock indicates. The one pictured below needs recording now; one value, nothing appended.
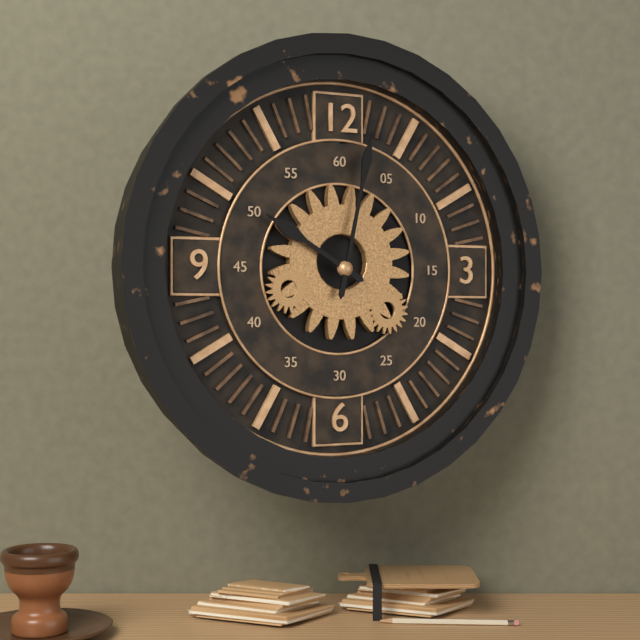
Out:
h=10 m=2
